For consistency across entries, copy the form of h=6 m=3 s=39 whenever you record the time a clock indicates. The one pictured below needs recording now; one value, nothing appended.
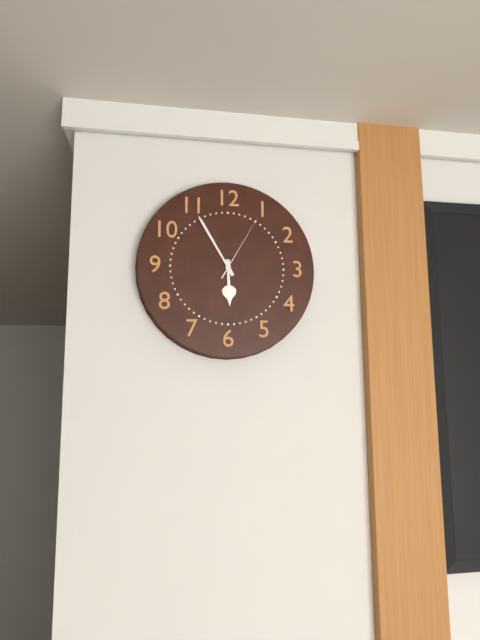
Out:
h=5 m=55 s=5
